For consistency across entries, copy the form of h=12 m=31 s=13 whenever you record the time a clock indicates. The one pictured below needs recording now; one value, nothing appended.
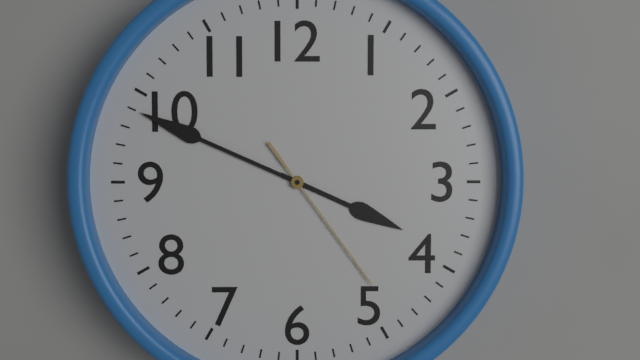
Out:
h=3 m=49 s=24
